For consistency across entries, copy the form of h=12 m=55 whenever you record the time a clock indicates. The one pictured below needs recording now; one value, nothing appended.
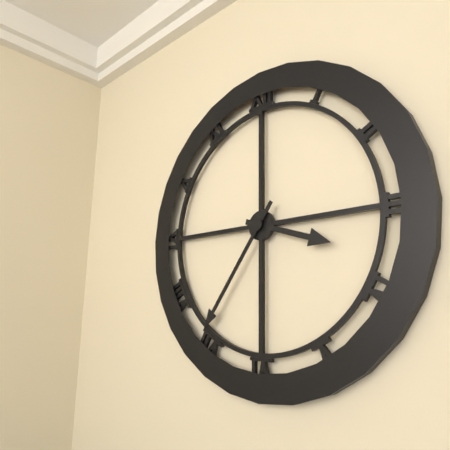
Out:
h=3 m=36
